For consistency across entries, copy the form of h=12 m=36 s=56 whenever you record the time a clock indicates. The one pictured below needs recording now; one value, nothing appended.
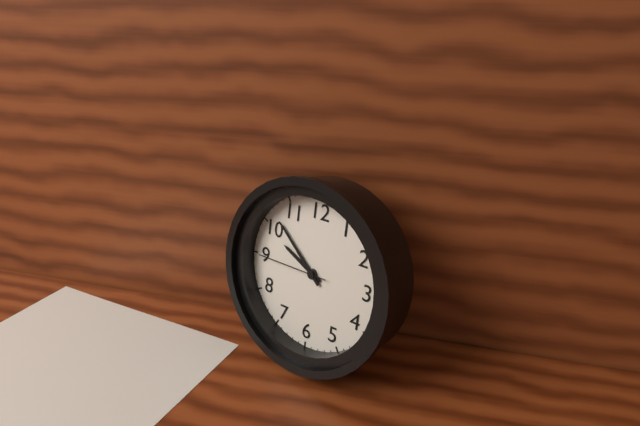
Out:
h=9 m=52 s=45
